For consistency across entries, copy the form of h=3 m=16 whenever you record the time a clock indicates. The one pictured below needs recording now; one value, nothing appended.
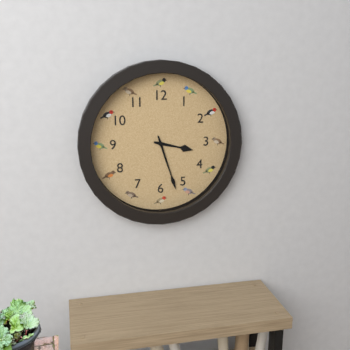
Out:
h=3 m=27
